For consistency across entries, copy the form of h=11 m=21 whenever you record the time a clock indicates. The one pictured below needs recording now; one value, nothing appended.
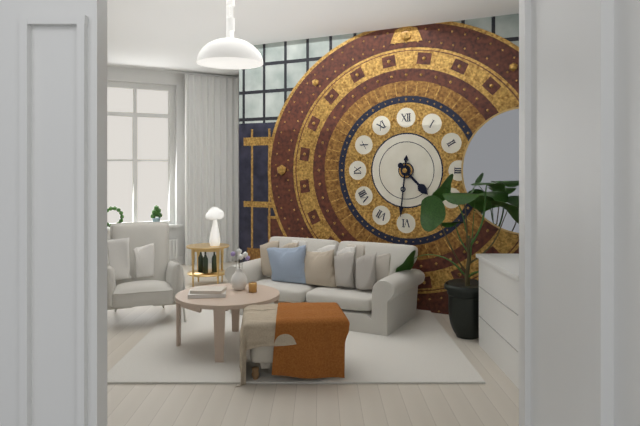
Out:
h=4 m=31
